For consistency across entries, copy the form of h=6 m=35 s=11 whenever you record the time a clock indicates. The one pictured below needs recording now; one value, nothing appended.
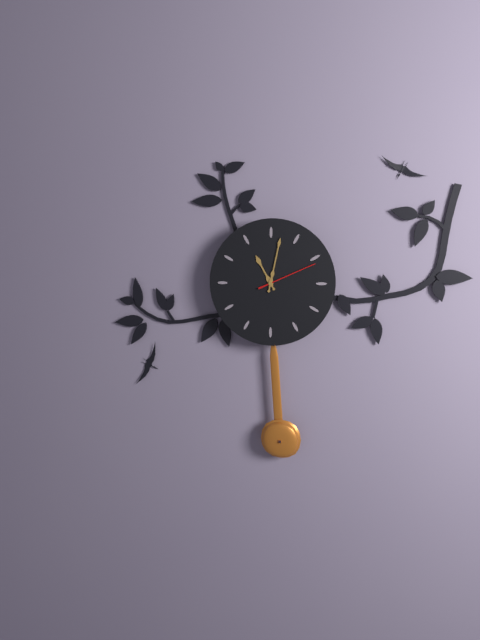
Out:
h=11 m=2 s=11
